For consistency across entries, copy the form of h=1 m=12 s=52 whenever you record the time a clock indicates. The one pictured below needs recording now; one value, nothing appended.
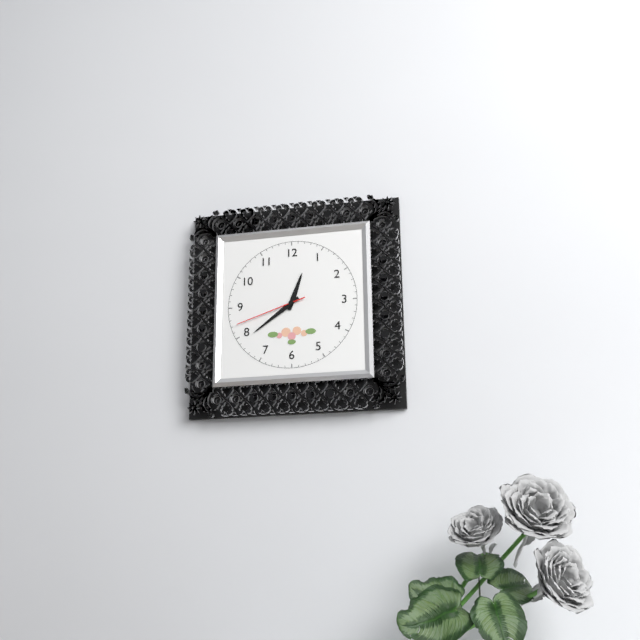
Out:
h=12 m=39 s=42
